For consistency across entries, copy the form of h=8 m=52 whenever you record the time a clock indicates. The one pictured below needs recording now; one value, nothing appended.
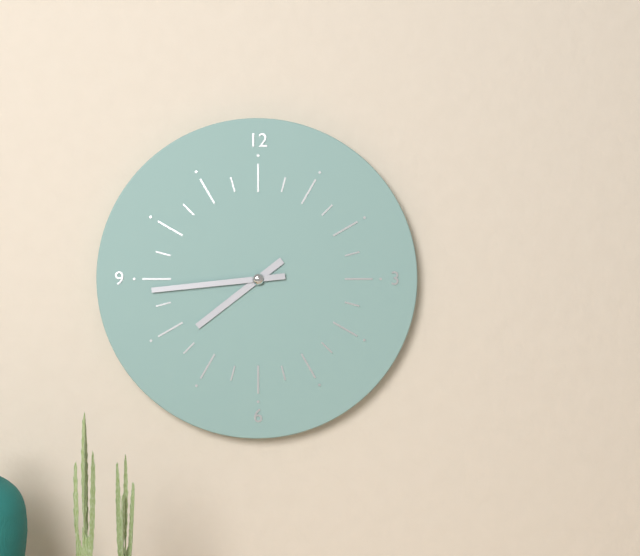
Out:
h=7 m=44
